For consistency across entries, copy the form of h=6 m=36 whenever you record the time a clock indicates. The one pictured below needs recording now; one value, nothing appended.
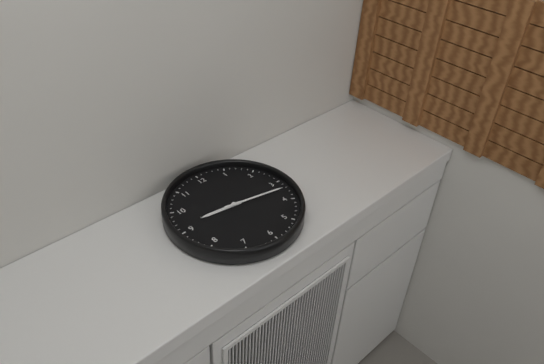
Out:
h=9 m=17
